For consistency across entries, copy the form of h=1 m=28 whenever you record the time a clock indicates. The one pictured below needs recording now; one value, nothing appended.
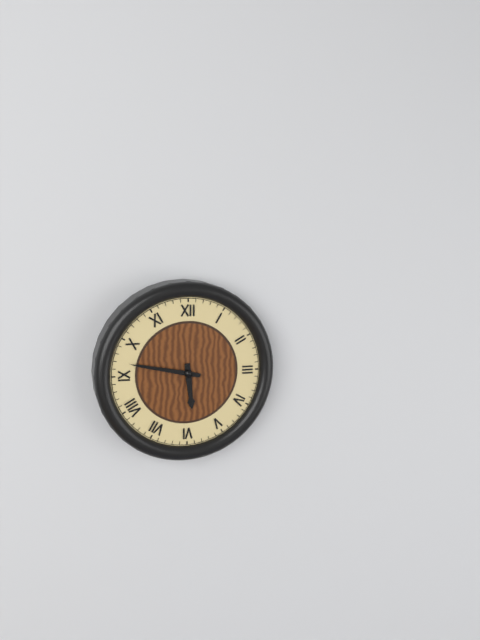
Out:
h=5 m=47
